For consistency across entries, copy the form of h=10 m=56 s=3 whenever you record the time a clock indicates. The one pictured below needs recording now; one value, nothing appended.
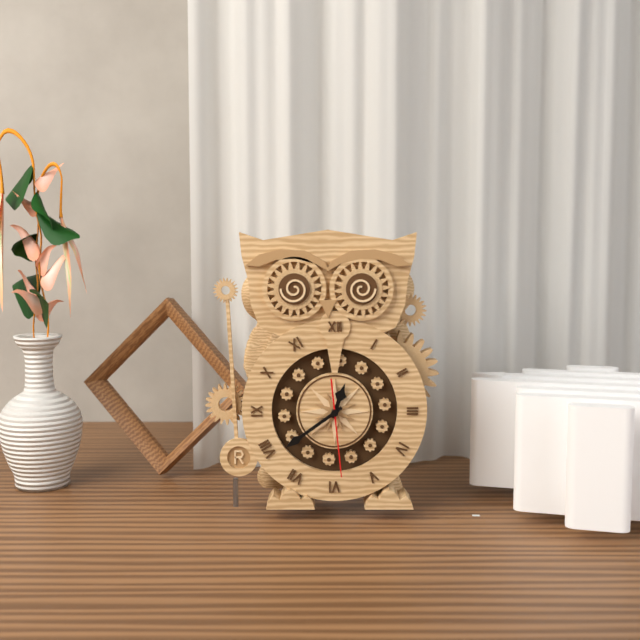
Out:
h=12 m=39 s=29
